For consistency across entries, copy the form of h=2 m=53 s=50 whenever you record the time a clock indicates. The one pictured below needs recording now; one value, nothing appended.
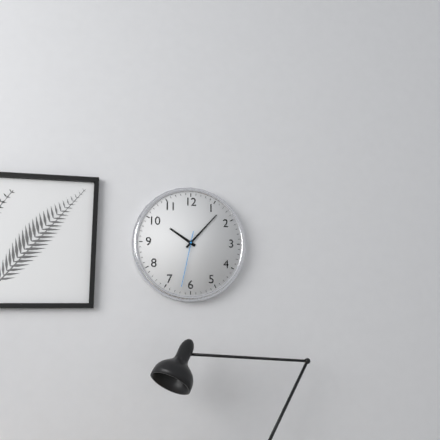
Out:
h=10 m=7 s=32
